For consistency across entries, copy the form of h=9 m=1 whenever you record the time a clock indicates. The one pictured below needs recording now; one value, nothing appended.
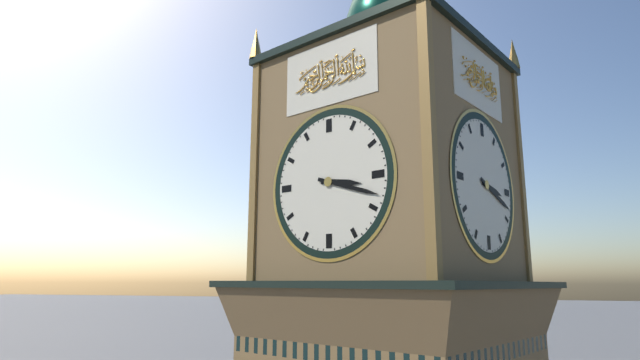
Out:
h=3 m=18
